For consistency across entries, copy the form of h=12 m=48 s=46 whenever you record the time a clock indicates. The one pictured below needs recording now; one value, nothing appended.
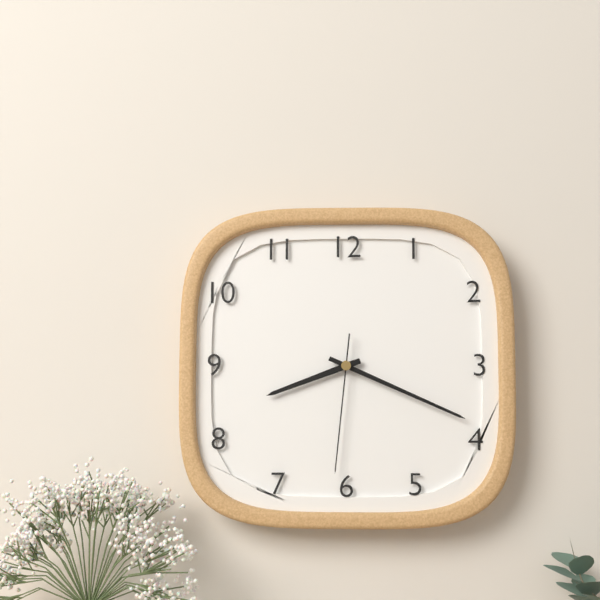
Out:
h=8 m=19 s=31
